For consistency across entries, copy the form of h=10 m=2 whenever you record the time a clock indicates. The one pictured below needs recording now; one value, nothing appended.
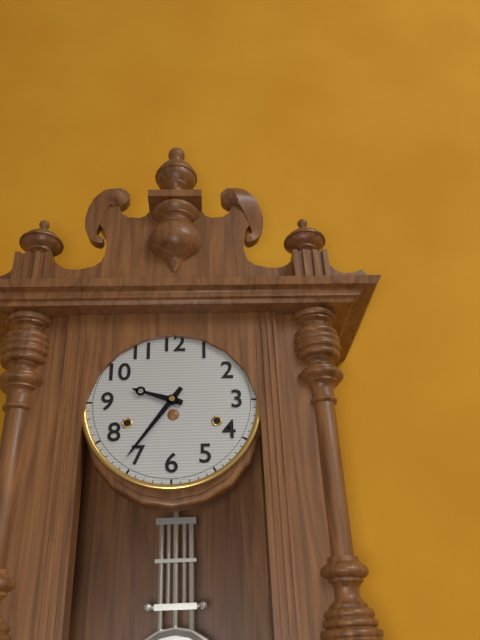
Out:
h=9 m=36
